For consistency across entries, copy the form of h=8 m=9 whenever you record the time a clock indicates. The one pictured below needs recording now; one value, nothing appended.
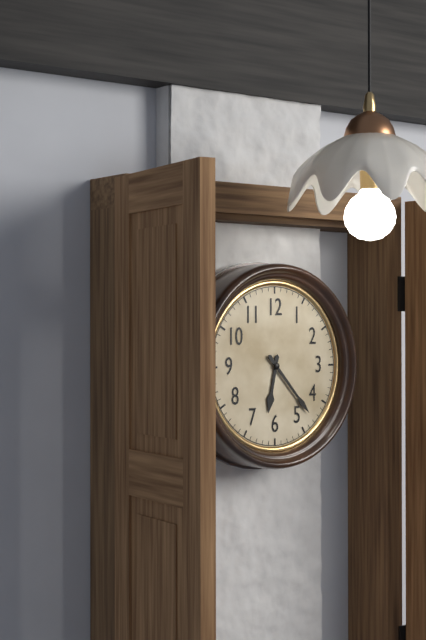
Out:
h=6 m=23
